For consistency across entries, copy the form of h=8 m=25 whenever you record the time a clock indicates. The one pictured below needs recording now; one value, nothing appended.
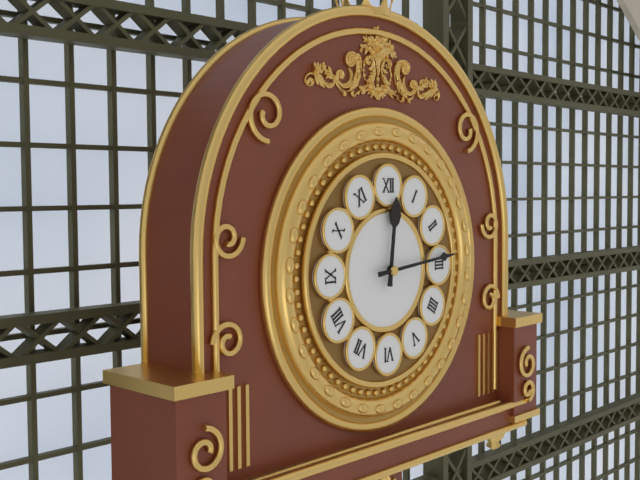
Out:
h=12 m=14
